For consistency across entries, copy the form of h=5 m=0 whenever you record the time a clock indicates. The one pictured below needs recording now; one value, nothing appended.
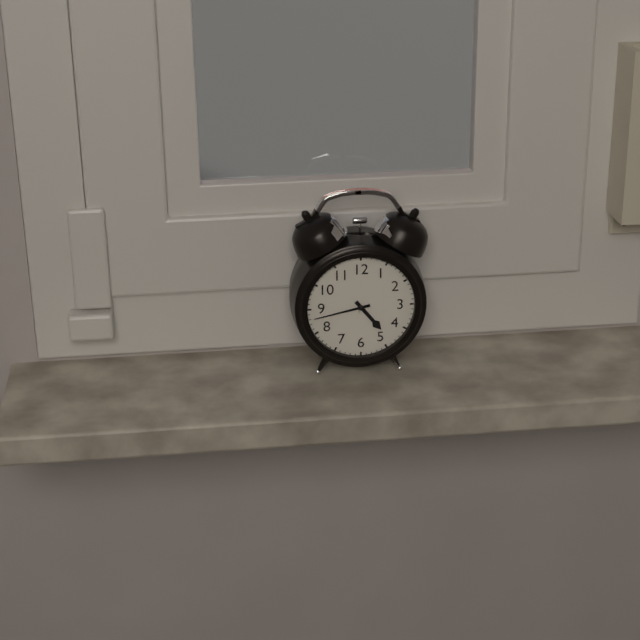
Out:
h=4 m=43
